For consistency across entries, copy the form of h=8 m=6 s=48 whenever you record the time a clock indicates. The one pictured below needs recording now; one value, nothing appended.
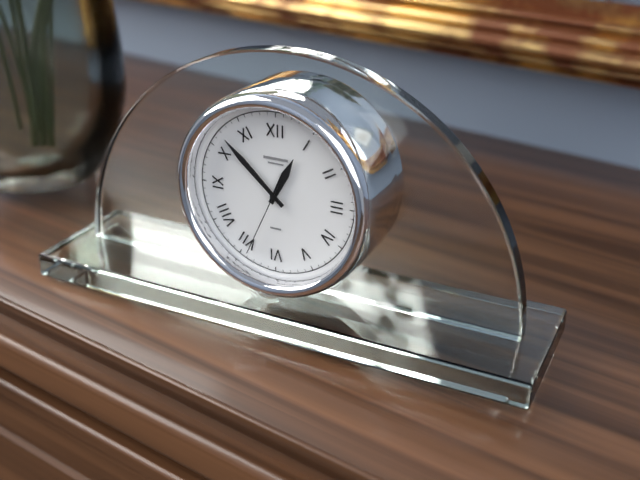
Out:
h=12 m=52 s=34
